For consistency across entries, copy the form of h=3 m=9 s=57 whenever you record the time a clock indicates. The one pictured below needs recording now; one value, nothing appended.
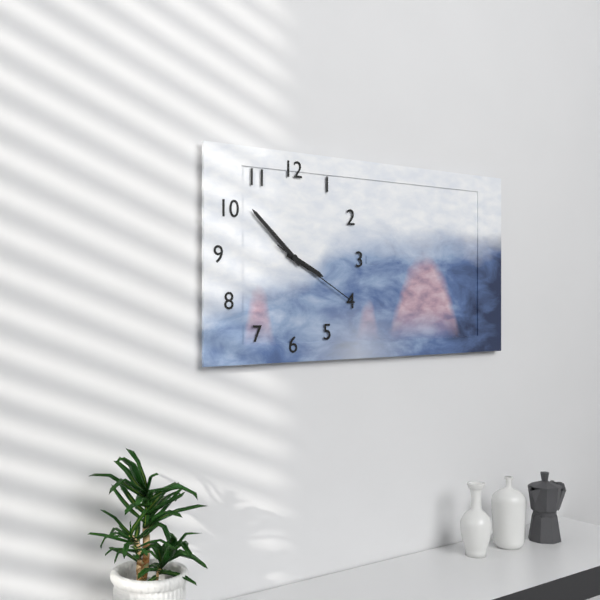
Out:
h=3 m=52 s=20
